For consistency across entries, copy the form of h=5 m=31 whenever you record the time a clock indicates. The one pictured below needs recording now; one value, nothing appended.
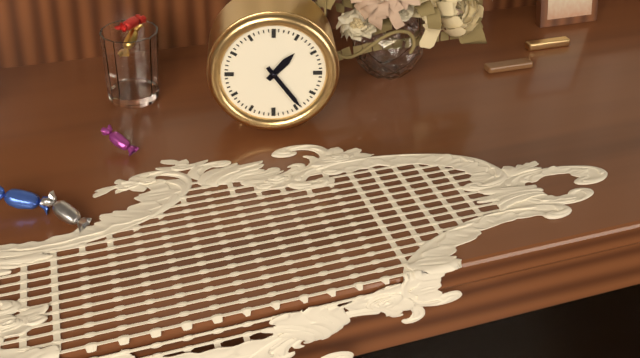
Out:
h=1 m=24
